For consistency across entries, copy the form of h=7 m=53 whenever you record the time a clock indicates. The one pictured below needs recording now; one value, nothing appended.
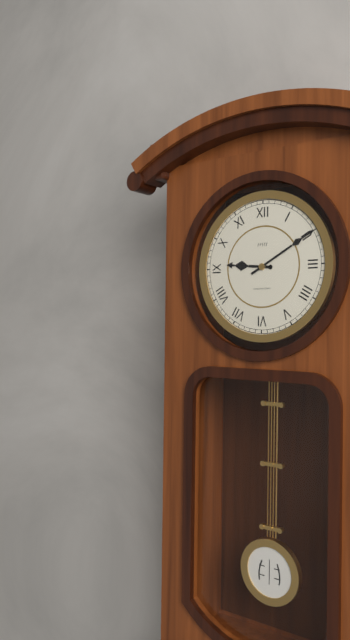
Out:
h=9 m=10
